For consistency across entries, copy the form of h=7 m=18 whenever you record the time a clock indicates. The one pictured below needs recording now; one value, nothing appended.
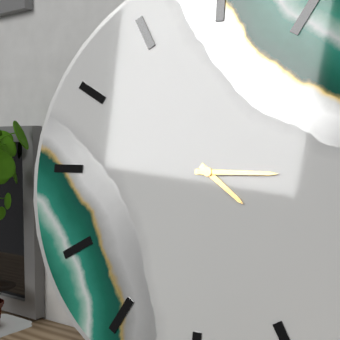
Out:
h=4 m=15
